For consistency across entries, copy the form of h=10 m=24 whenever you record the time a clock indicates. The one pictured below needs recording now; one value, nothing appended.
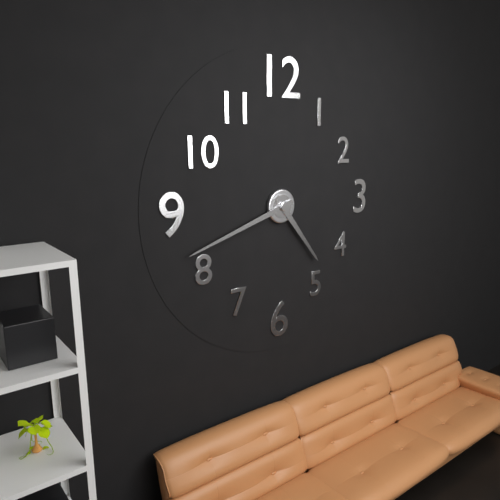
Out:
h=4 m=42
